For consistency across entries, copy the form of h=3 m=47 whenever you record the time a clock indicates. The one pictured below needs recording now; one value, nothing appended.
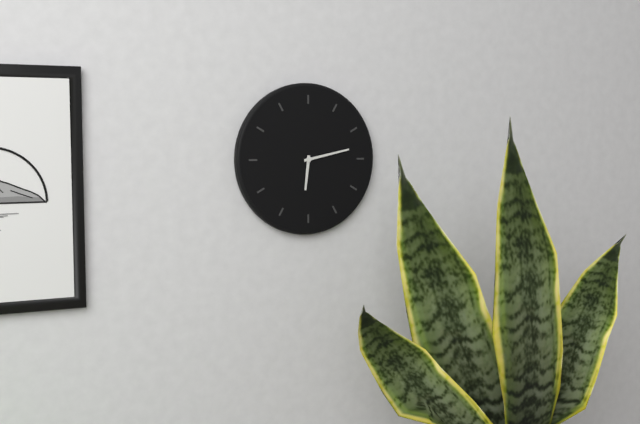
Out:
h=6 m=13
